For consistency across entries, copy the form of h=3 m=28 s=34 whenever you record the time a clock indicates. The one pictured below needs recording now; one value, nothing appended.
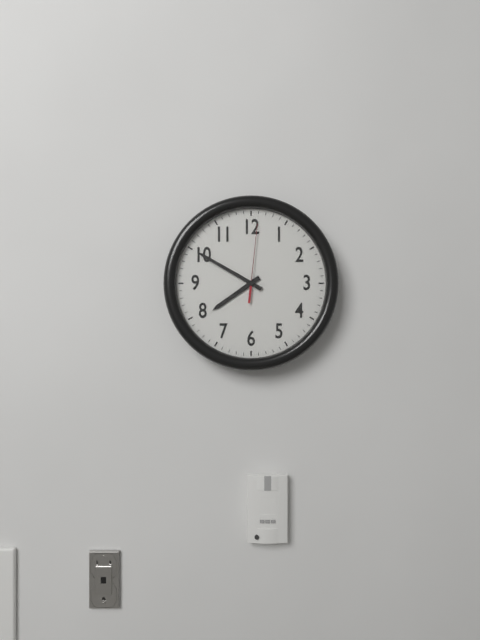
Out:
h=7 m=50 s=1
